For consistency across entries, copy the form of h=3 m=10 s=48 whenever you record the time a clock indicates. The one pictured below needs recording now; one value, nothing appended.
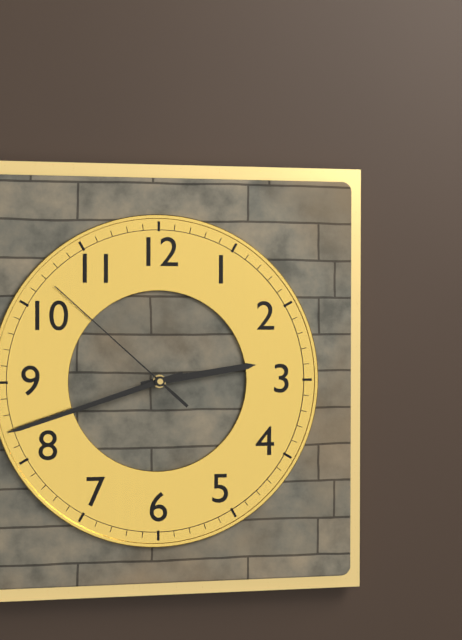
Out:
h=2 m=42 s=52
